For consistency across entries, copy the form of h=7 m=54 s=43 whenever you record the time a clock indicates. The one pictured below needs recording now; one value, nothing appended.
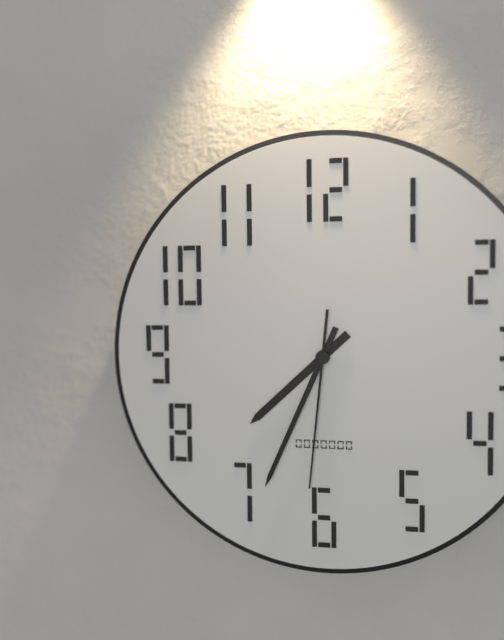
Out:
h=7 m=34 s=31
